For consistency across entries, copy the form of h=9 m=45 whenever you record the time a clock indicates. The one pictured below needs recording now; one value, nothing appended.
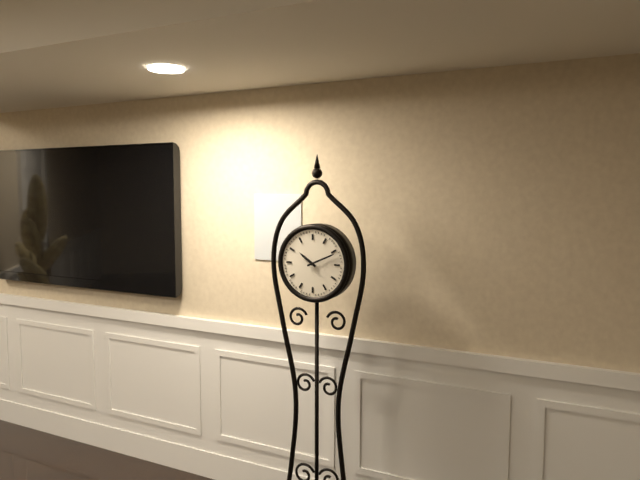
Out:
h=10 m=11
